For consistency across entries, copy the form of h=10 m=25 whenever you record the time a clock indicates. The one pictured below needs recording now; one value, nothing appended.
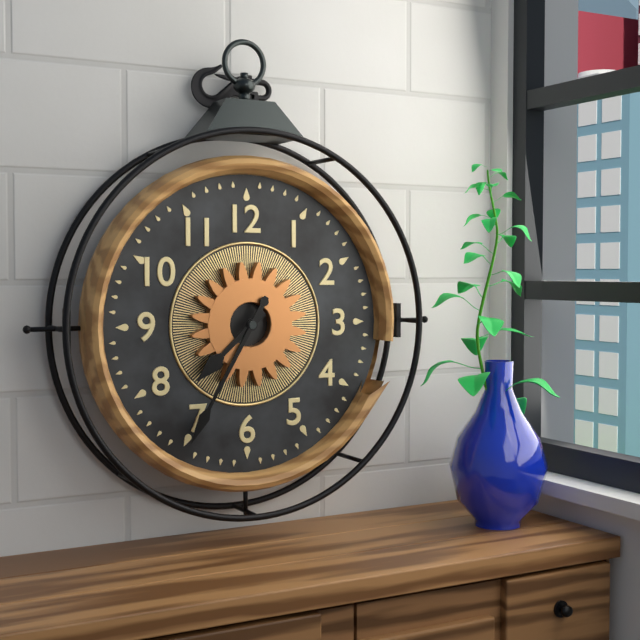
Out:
h=7 m=35
